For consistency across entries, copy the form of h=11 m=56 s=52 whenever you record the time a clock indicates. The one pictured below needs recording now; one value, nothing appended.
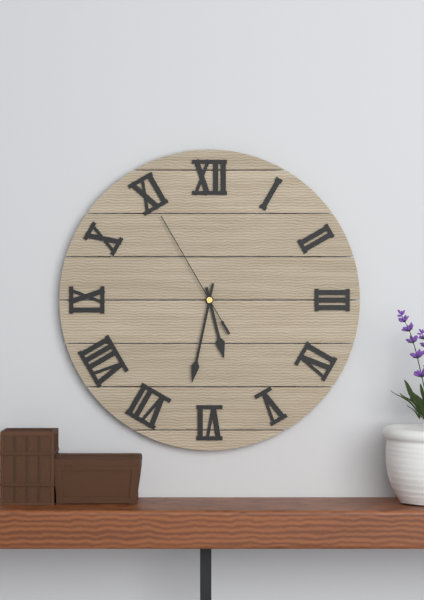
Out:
h=5 m=32 s=55
